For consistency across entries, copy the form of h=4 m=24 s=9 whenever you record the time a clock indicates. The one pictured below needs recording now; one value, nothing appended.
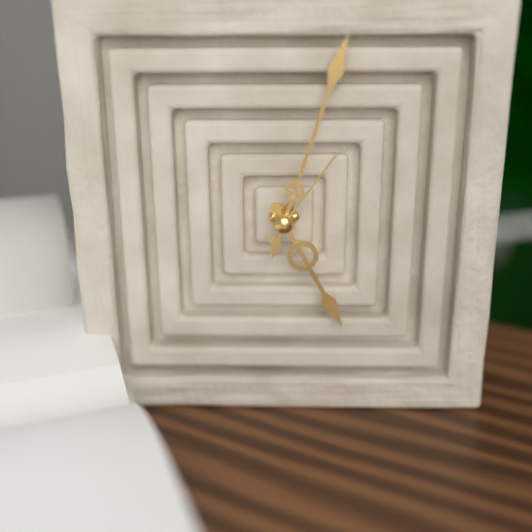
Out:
h=5 m=3 s=6
